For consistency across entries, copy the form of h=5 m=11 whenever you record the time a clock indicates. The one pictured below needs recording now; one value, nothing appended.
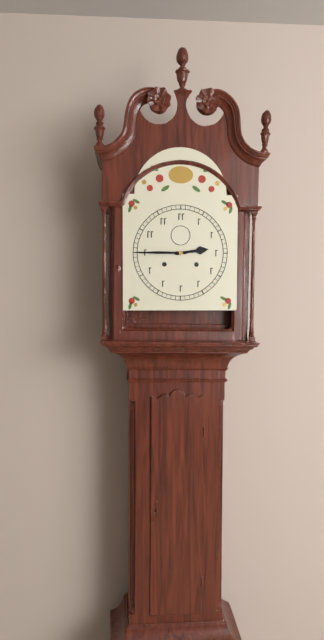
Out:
h=2 m=45
